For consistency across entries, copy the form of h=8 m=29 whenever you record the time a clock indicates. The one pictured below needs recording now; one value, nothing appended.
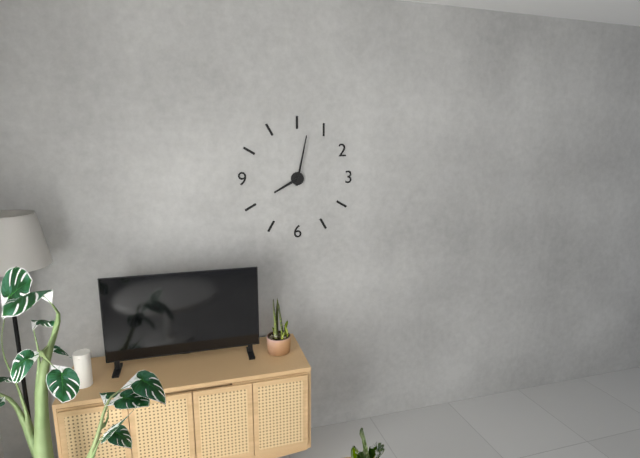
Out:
h=8 m=2
